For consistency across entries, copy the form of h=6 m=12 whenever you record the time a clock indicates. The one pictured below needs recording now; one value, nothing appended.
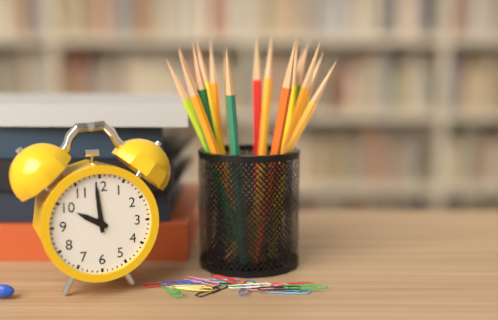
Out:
h=9 m=59
